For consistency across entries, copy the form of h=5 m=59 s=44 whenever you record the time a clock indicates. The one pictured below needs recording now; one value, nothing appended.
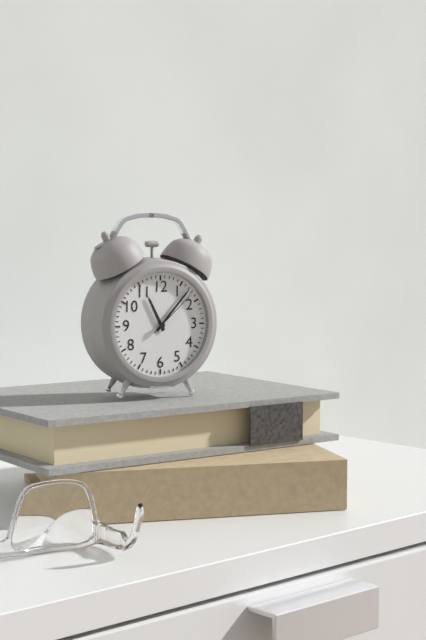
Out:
h=11 m=7 s=8
